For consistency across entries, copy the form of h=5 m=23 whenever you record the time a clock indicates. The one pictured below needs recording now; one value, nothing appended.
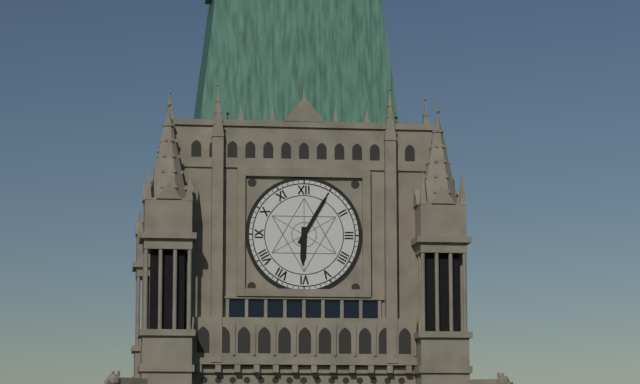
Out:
h=6 m=5
